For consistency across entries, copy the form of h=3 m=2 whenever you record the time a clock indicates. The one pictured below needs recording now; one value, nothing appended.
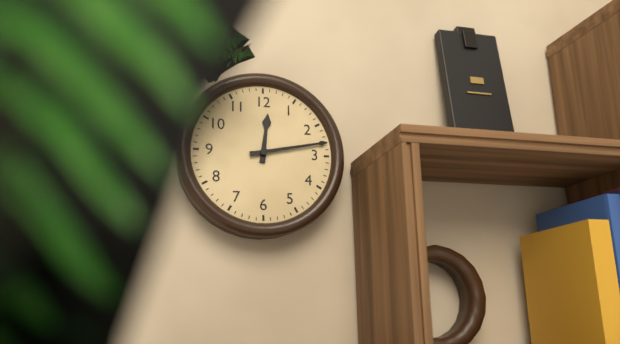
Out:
h=12 m=13
